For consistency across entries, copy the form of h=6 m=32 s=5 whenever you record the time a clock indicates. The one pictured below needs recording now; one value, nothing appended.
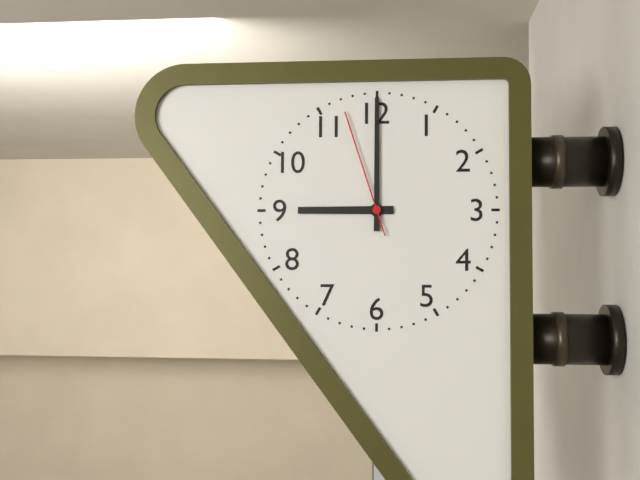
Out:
h=9 m=0 s=57
